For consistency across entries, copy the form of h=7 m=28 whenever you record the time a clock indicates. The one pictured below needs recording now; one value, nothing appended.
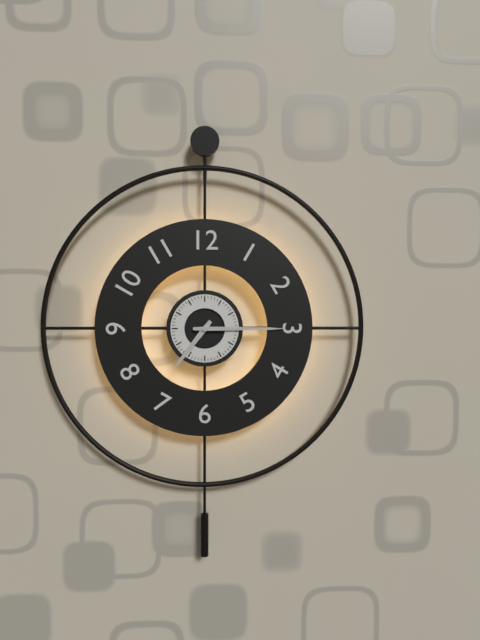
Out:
h=7 m=15
